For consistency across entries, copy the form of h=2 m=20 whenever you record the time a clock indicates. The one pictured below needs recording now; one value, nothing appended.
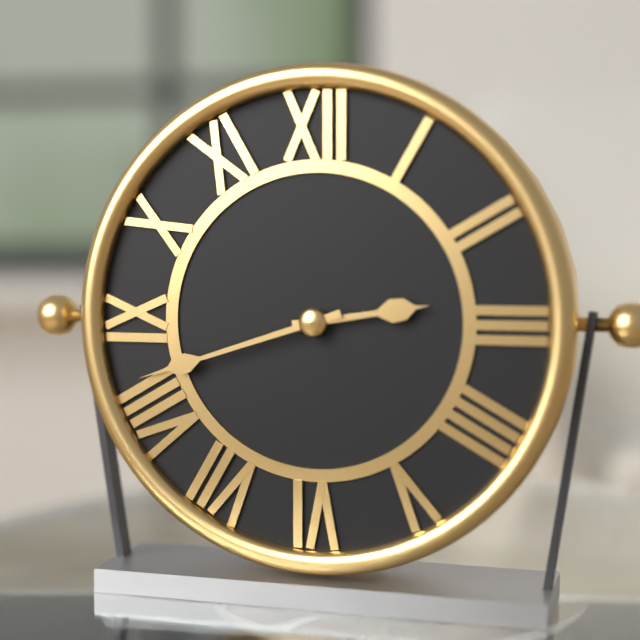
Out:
h=2 m=42
